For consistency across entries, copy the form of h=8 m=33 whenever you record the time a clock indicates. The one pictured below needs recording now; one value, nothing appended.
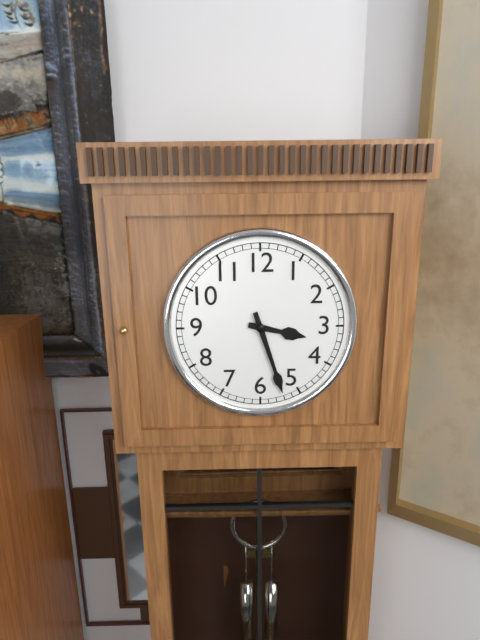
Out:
h=3 m=27
